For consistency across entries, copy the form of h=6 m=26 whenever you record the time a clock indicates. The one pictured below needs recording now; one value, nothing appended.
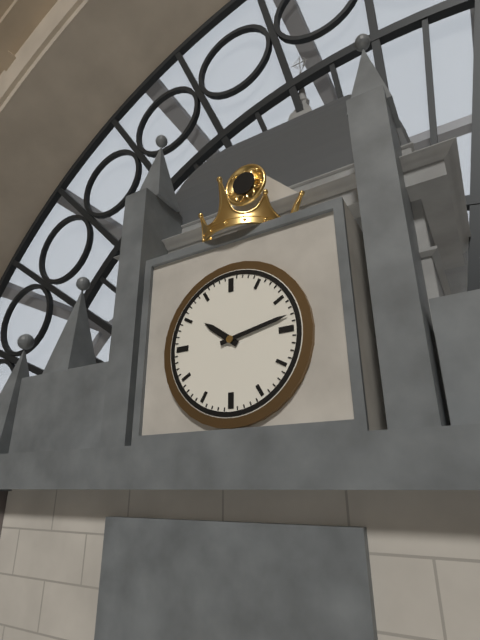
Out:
h=10 m=13
